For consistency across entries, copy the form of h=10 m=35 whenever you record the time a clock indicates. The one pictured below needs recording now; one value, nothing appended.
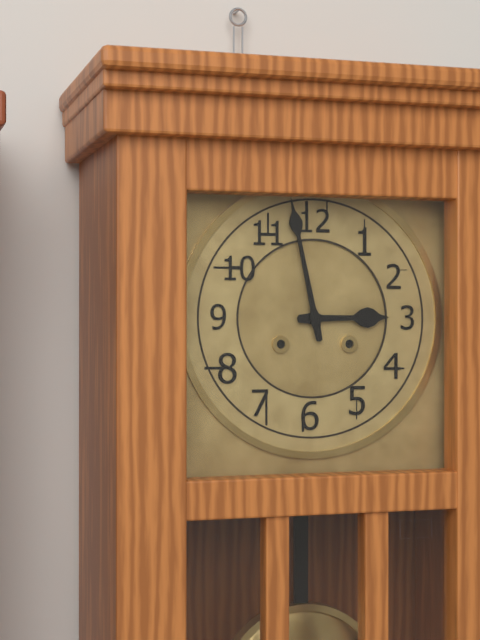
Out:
h=2 m=58
